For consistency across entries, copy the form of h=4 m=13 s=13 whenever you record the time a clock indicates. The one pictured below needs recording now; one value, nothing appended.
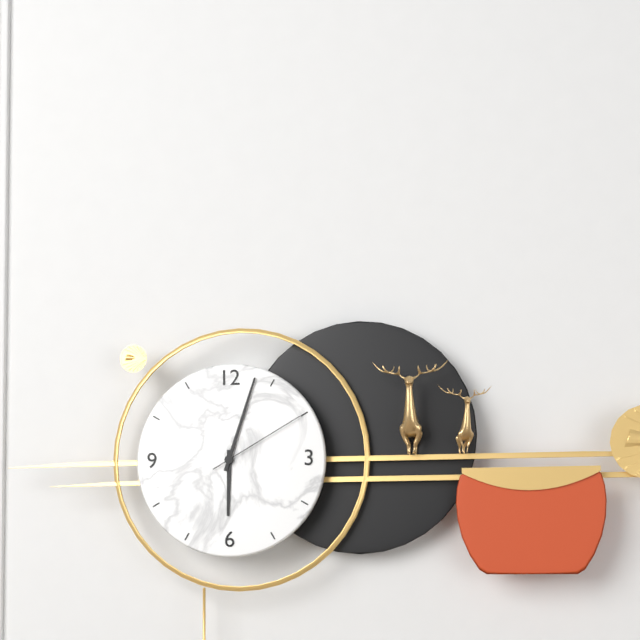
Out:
h=6 m=3 s=10
